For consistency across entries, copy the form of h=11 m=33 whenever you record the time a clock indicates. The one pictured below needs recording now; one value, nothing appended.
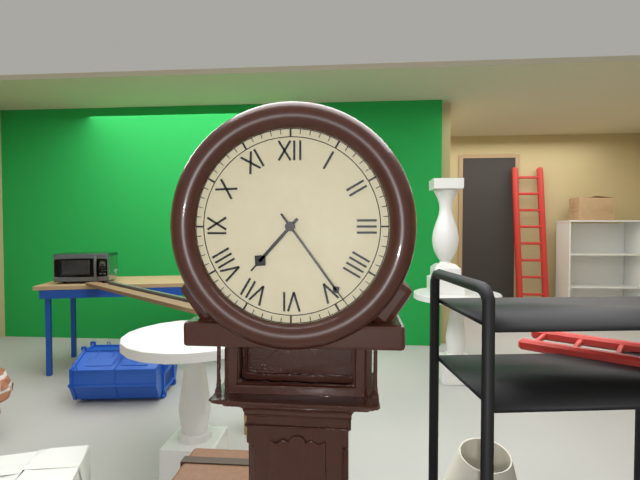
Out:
h=7 m=24
